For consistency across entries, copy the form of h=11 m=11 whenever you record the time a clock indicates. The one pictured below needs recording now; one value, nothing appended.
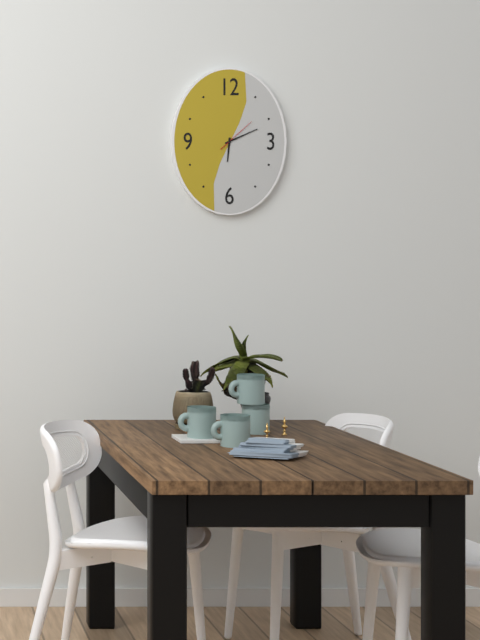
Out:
h=6 m=11
